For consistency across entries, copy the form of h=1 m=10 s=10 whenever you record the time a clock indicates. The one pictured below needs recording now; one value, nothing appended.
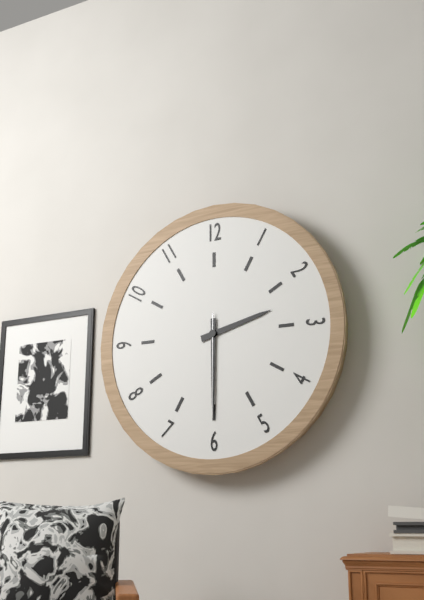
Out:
h=2 m=30 s=30
